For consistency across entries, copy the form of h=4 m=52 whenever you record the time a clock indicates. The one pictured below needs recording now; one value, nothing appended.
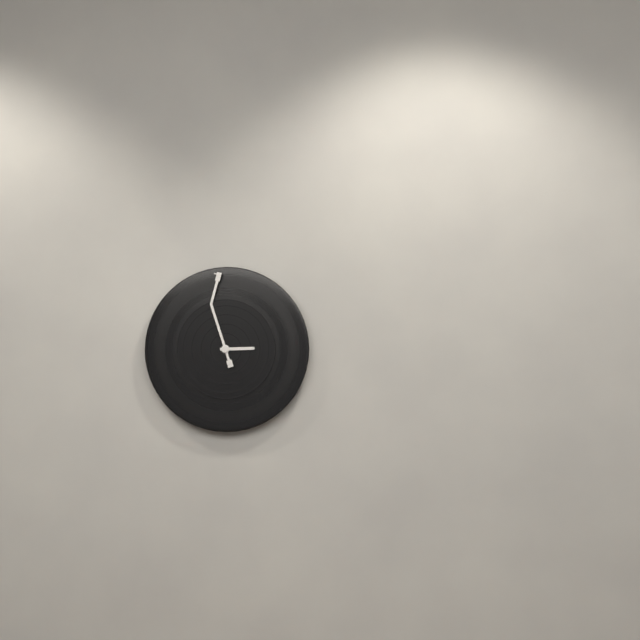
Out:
h=2 m=57
